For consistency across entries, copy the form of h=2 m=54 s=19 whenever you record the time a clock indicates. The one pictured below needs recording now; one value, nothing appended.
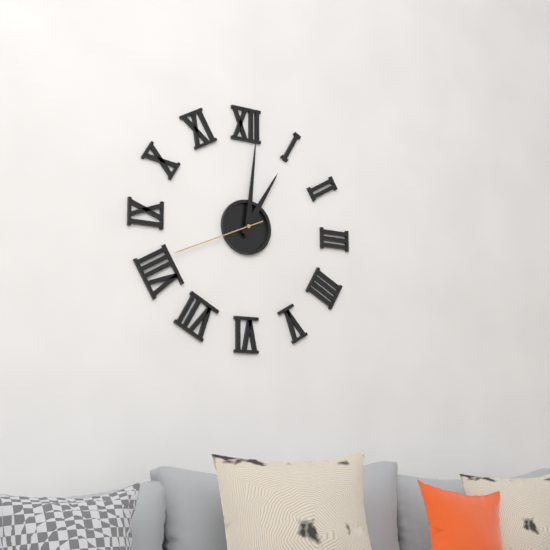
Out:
h=1 m=1 s=41
